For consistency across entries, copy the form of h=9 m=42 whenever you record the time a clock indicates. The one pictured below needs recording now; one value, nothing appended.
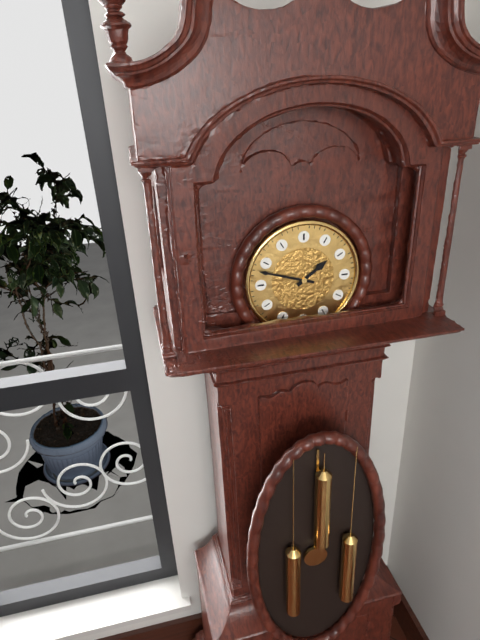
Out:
h=1 m=48
